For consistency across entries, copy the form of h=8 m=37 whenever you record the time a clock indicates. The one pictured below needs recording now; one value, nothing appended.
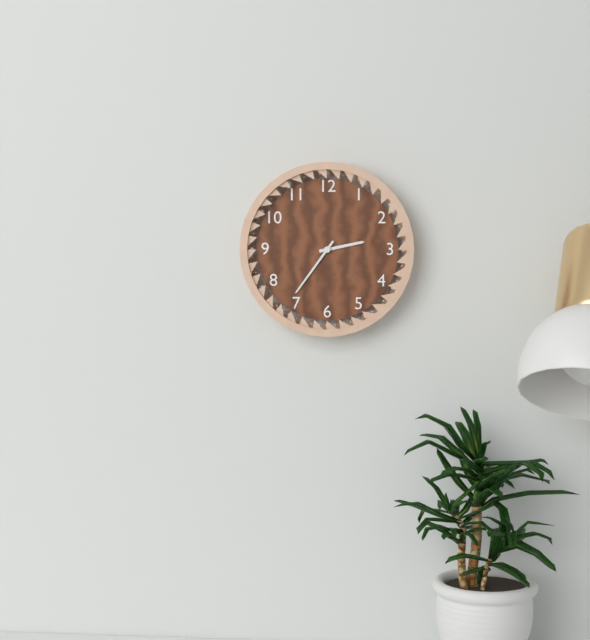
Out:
h=2 m=36
